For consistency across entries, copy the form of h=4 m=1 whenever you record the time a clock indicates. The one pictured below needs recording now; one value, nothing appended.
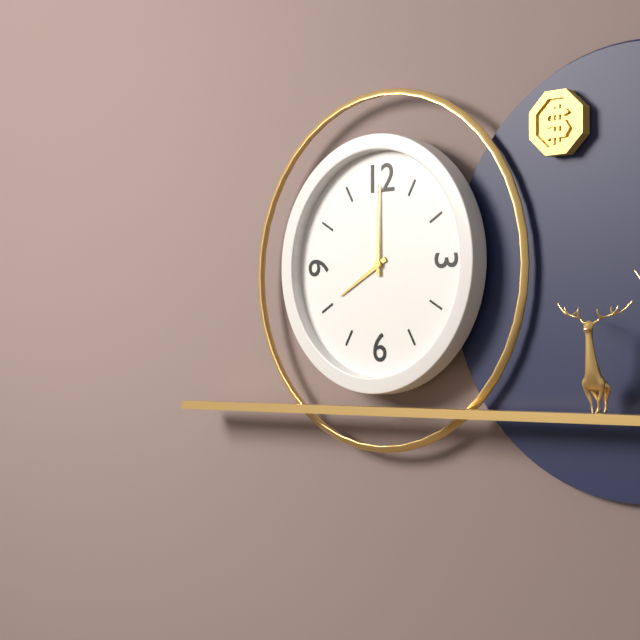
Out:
h=8 m=0
